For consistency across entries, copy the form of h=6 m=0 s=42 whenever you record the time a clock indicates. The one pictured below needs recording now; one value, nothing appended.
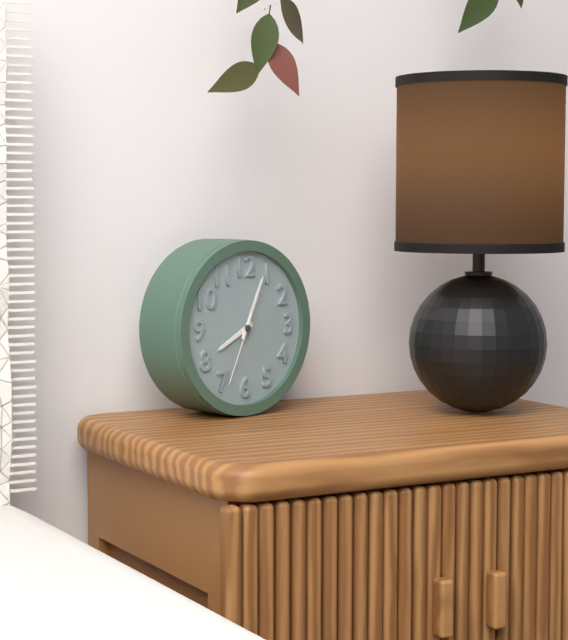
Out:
h=8 m=4 s=34
